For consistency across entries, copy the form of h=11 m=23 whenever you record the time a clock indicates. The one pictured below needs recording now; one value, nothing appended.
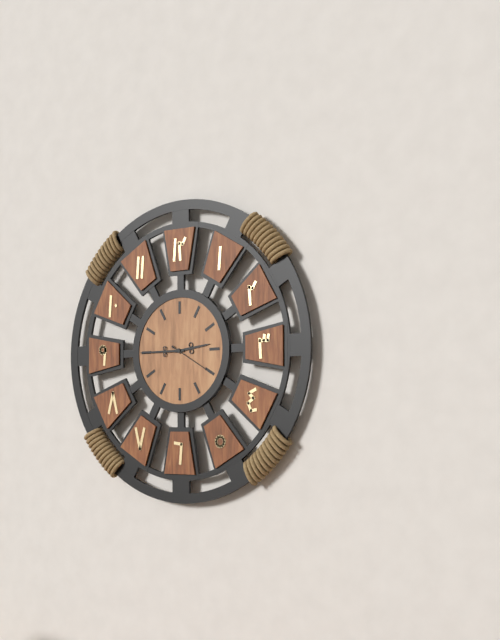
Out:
h=2 m=45
